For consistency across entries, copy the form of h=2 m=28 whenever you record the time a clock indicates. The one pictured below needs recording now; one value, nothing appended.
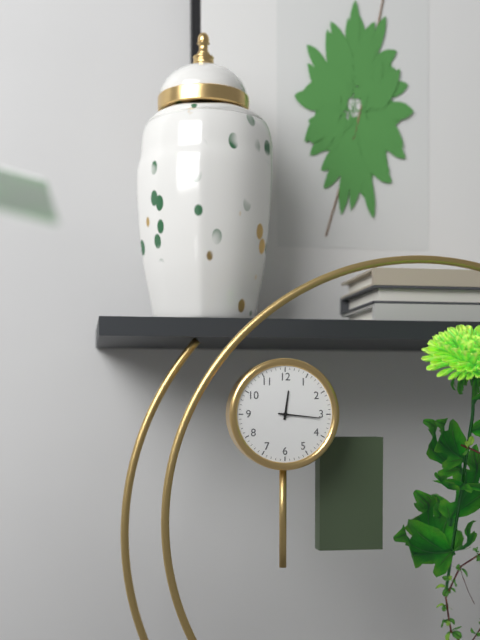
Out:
h=12 m=16
